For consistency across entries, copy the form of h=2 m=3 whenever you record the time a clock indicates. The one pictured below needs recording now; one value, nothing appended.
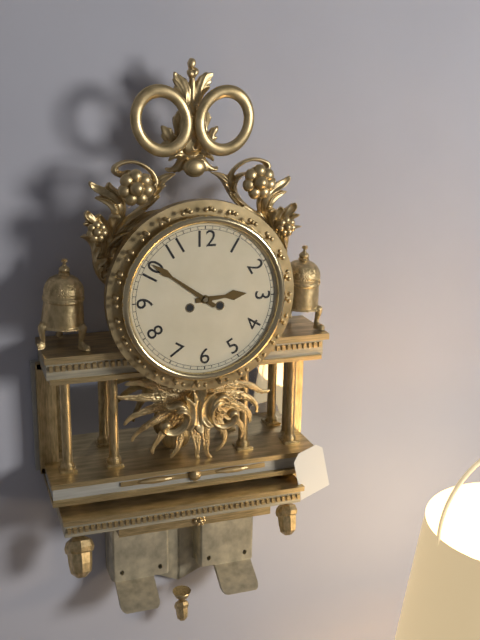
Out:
h=2 m=51
